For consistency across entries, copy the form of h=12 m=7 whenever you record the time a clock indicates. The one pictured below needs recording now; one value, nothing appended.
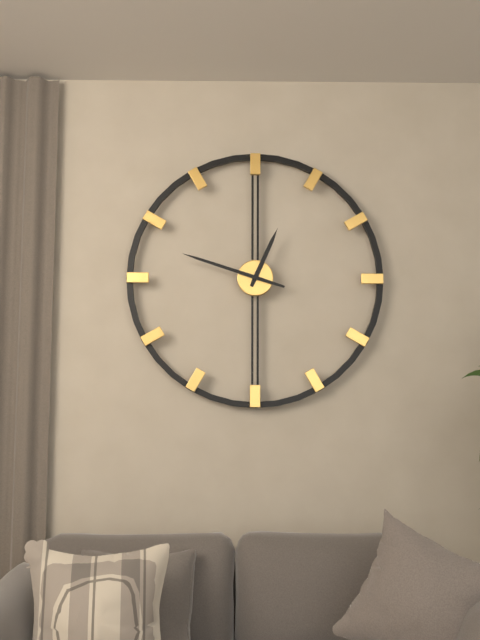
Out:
h=12 m=48
